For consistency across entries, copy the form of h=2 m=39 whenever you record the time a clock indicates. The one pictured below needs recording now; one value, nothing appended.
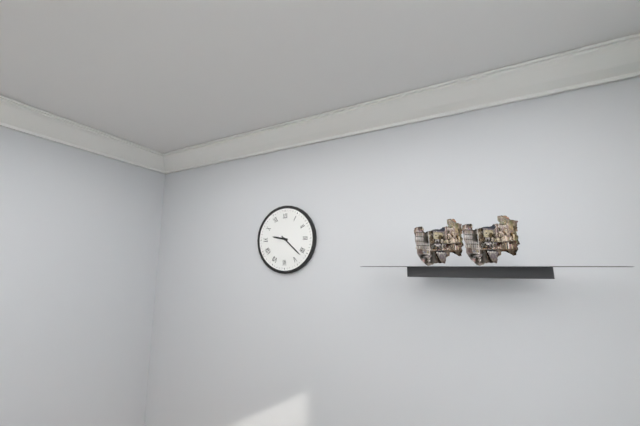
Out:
h=9 m=22
